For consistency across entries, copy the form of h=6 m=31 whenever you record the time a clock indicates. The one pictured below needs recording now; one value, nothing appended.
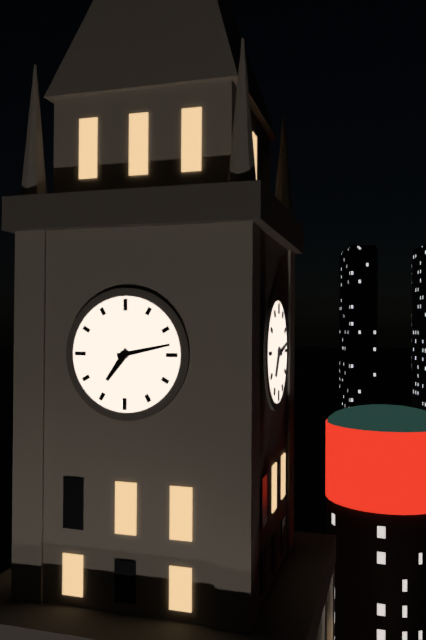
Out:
h=7 m=13
